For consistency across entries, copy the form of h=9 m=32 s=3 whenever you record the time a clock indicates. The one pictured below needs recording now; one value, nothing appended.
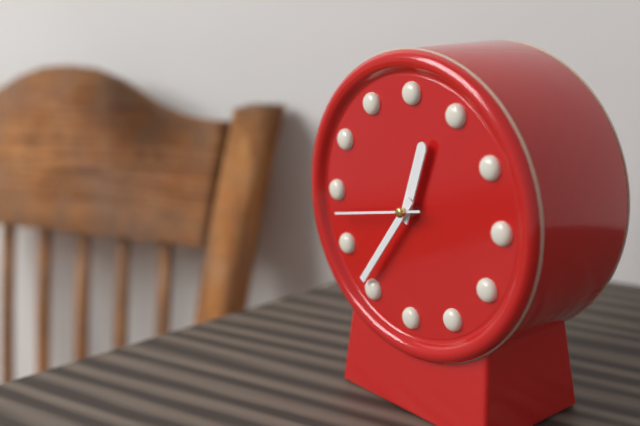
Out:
h=12 m=36 s=43
